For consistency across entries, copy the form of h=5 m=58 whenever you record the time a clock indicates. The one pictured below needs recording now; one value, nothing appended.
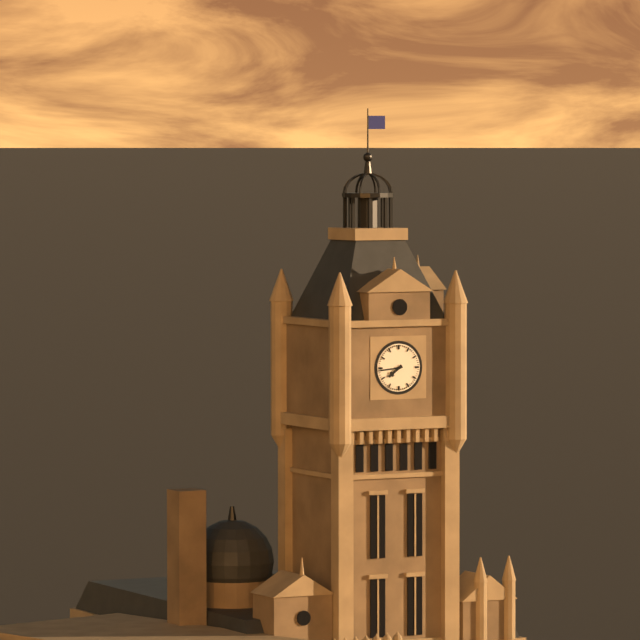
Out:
h=7 m=44
